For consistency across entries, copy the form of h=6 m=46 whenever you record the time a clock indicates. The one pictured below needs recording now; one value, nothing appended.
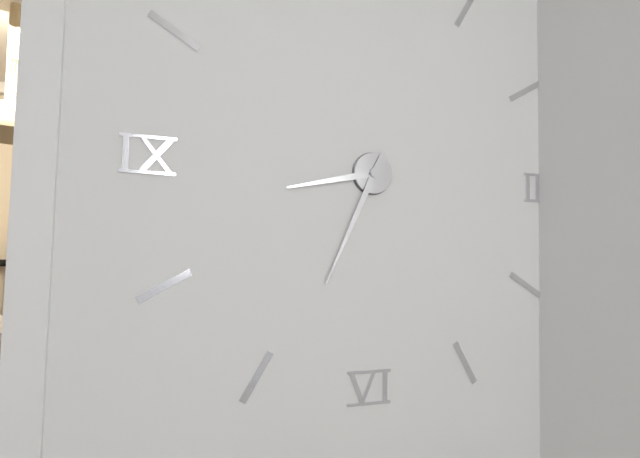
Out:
h=8 m=34
